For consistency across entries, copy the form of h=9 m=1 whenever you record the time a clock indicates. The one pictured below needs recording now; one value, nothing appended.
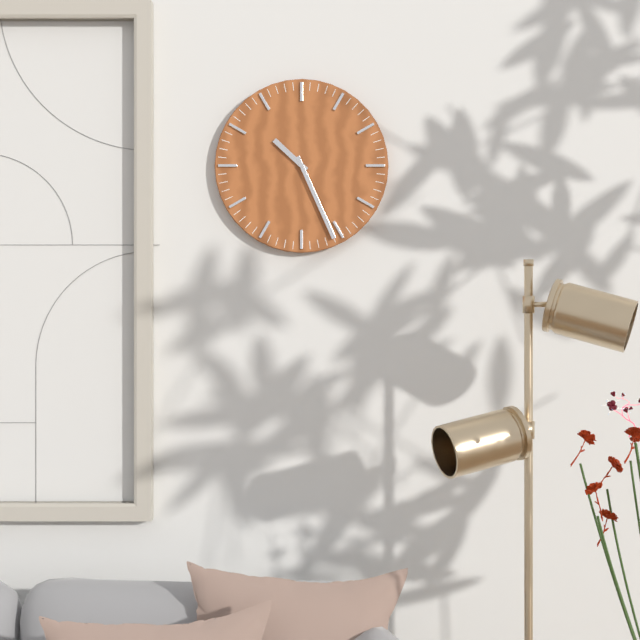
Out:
h=10 m=26
